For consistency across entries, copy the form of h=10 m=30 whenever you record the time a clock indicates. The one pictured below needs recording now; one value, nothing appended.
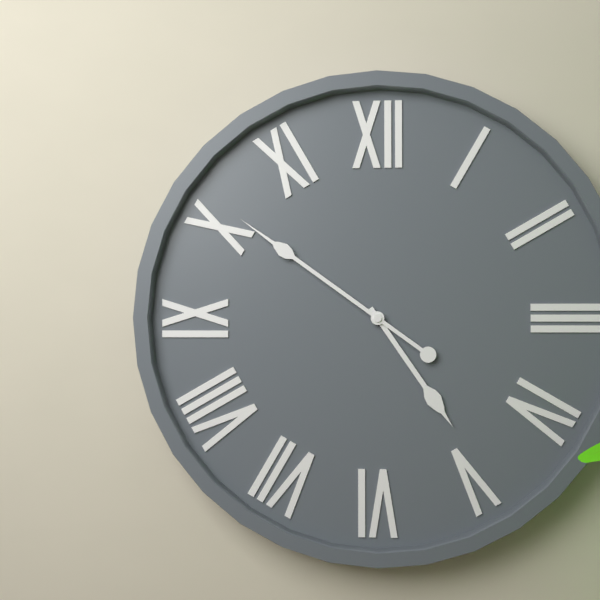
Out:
h=4 m=51
